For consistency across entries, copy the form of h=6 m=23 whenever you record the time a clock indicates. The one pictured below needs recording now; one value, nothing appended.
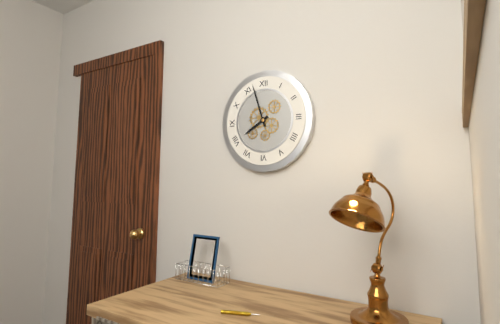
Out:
h=7 m=57
